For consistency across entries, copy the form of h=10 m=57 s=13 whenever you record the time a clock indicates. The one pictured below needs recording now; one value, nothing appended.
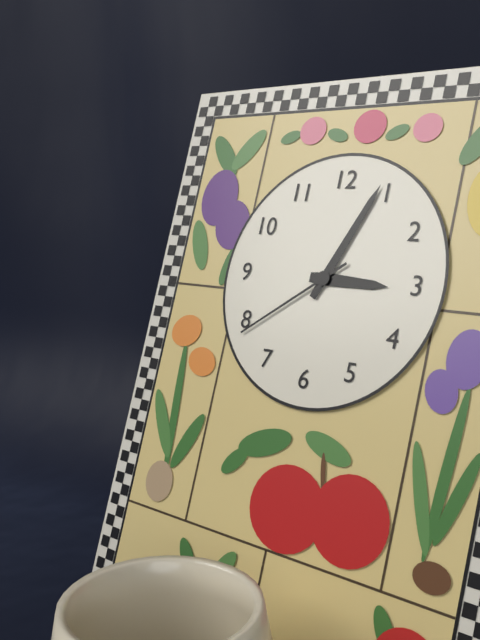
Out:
h=3 m=4 s=39
